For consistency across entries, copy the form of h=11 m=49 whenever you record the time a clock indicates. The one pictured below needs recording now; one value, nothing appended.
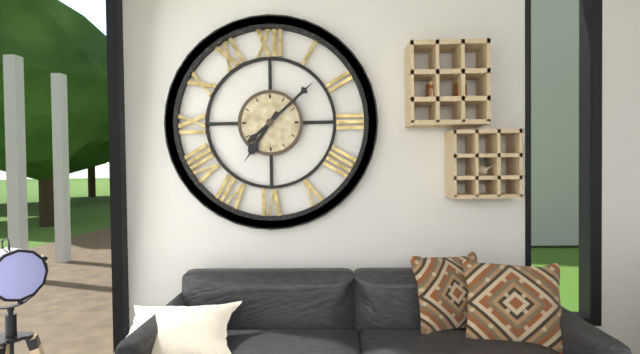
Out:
h=7 m=8
